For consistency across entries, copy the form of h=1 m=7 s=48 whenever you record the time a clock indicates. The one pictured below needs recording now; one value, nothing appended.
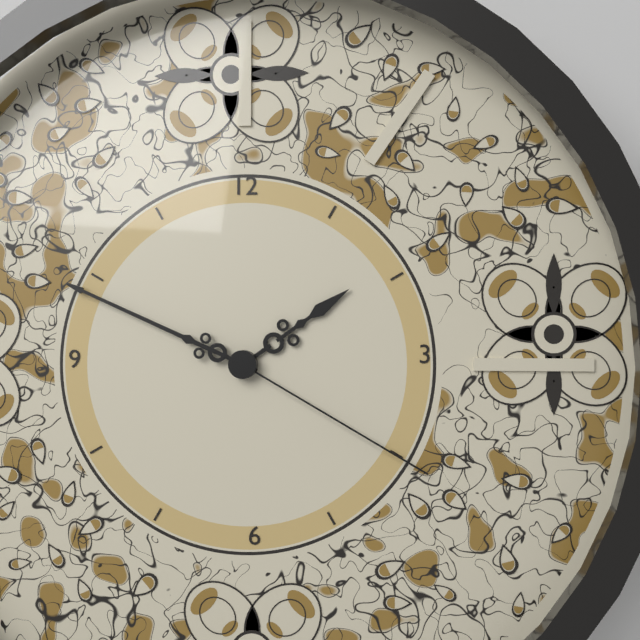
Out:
h=1 m=49 s=20
